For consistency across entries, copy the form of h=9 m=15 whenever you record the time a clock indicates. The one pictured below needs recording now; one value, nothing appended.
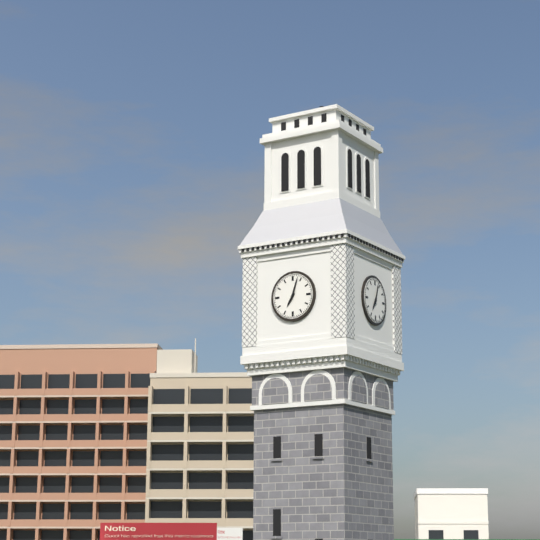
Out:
h=7 m=3
